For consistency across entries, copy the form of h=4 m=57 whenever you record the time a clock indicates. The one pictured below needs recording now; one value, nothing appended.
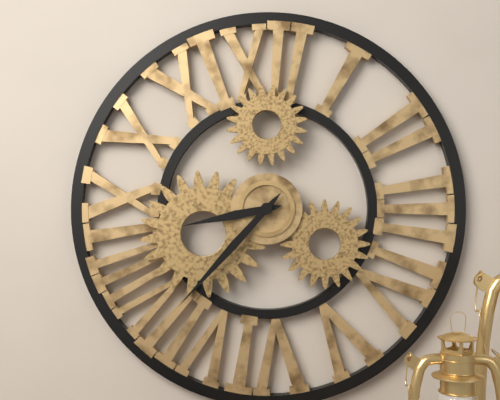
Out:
h=8 m=37
